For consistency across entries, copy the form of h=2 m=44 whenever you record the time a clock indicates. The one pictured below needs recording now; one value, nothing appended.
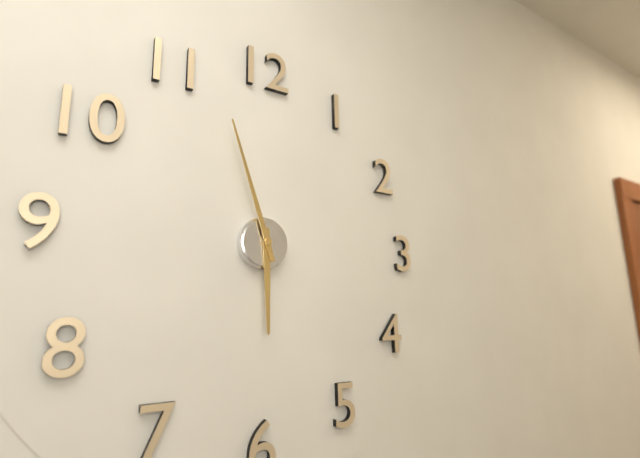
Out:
h=5 m=57
